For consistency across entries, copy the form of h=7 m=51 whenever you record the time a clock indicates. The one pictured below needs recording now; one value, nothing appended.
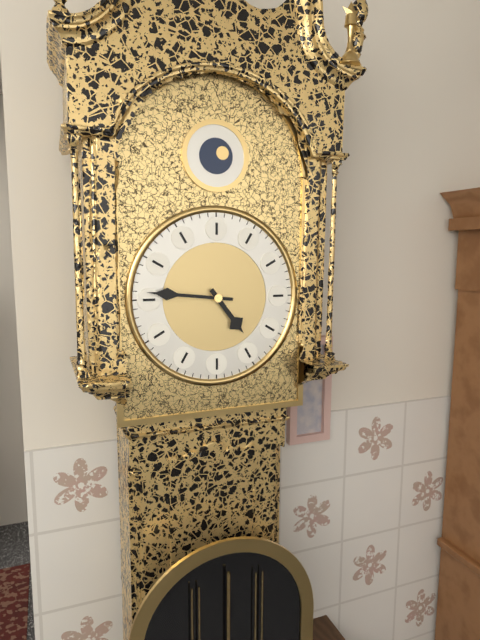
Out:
h=4 m=46
